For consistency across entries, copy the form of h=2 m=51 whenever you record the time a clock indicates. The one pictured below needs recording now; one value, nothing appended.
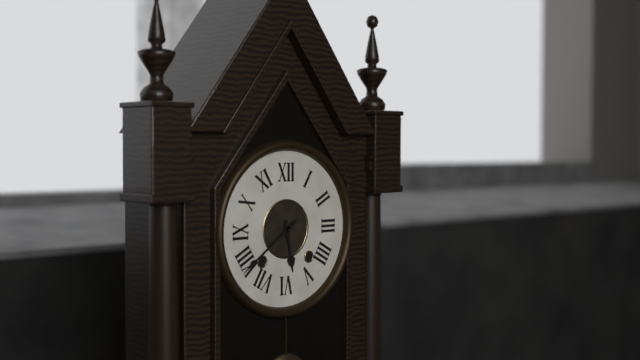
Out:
h=5 m=39
